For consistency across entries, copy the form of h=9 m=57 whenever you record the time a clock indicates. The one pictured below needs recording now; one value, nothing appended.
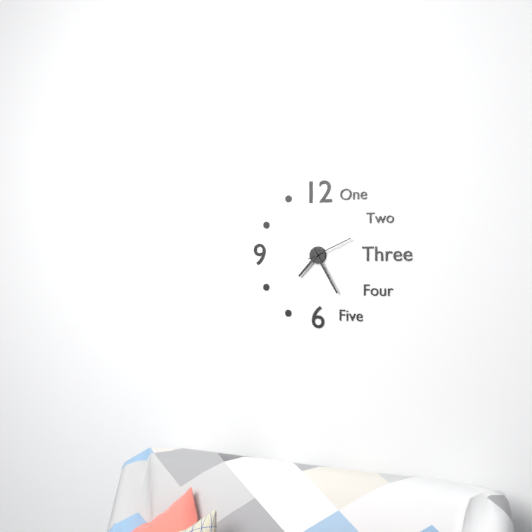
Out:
h=7 m=25
